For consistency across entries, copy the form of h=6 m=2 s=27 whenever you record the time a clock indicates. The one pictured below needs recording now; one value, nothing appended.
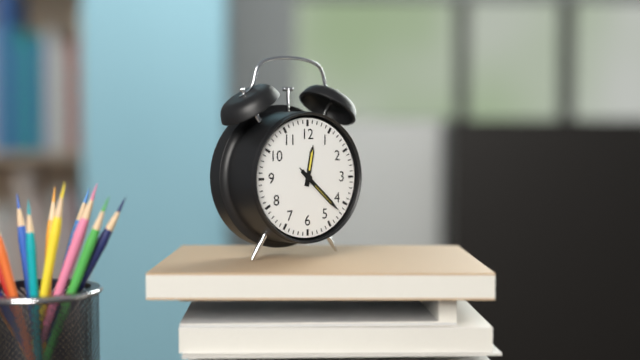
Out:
h=12 m=22 s=22
